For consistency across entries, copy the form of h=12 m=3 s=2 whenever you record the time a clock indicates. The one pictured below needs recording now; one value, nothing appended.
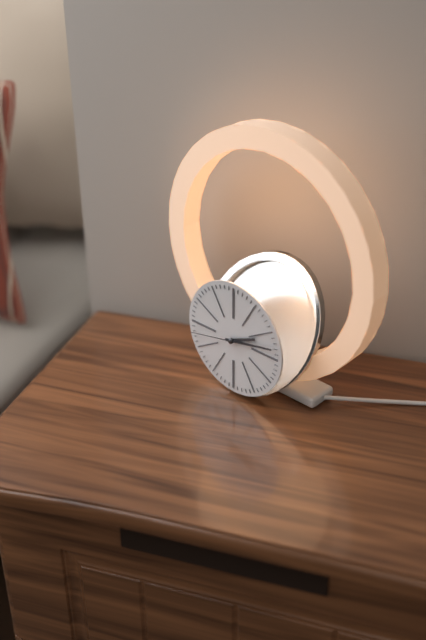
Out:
h=2 m=13 s=43
